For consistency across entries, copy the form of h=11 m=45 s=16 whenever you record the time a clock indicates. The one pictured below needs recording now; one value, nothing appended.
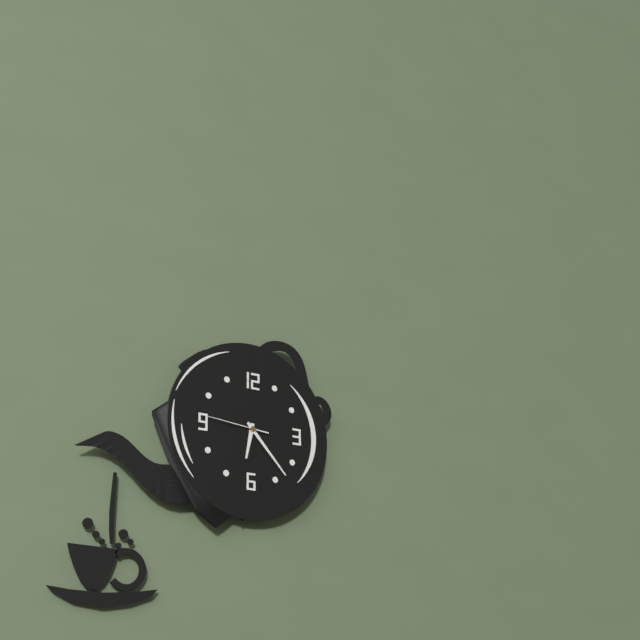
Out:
h=6 m=23 s=46
